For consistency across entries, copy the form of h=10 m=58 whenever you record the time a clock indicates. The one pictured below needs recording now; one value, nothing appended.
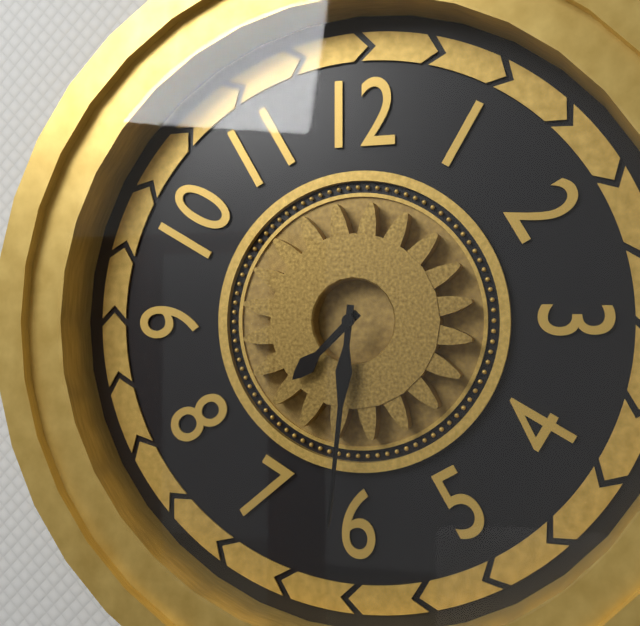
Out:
h=7 m=31
